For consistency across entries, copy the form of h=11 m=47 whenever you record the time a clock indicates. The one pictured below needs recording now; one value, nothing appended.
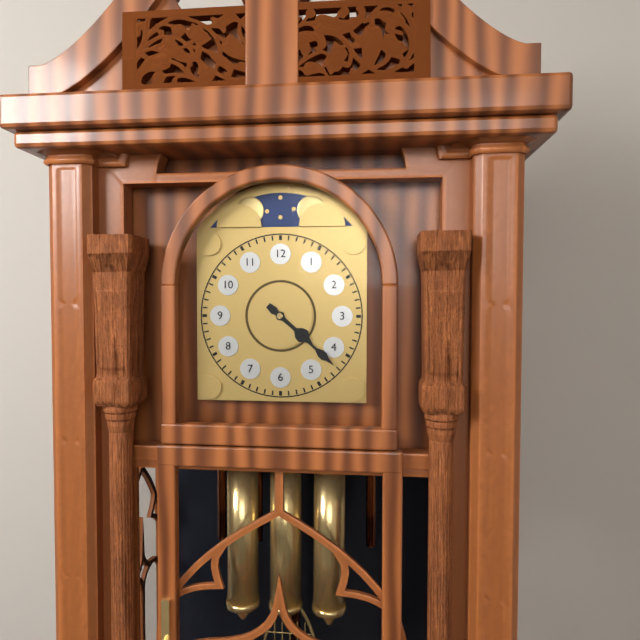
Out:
h=4 m=22
